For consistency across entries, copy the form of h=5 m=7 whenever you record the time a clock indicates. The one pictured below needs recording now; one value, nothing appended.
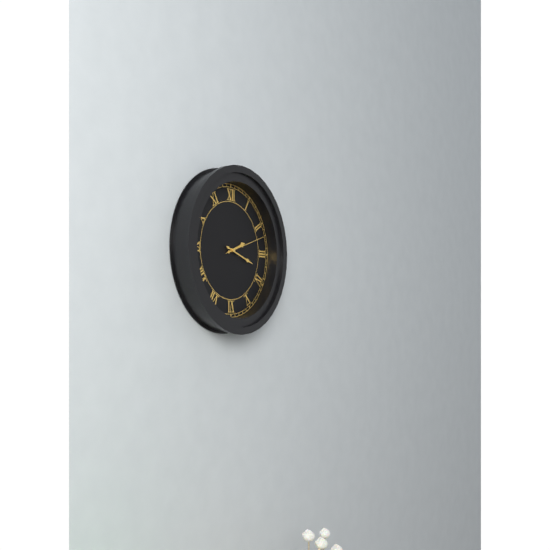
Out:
h=2 m=18
